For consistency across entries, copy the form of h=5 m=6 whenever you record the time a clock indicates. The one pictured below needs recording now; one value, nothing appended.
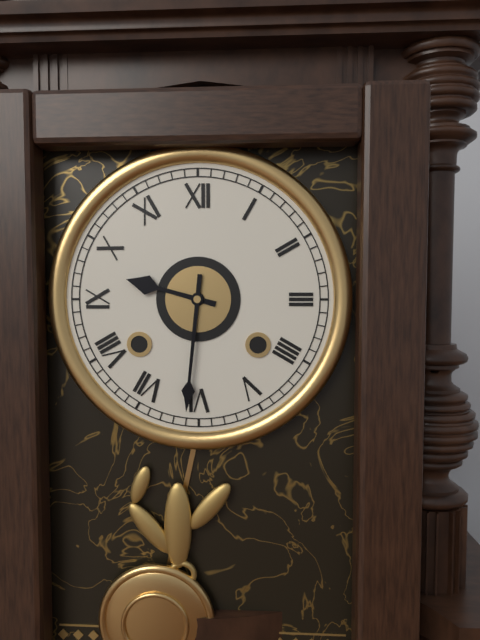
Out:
h=9 m=31
